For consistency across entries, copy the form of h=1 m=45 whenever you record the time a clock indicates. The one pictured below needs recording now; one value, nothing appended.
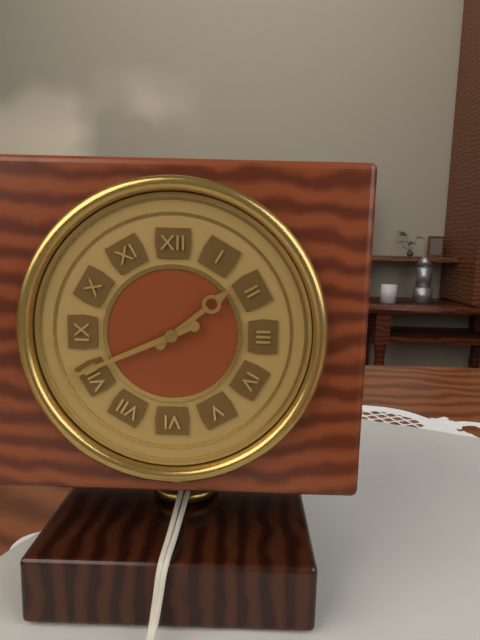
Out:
h=1 m=41
